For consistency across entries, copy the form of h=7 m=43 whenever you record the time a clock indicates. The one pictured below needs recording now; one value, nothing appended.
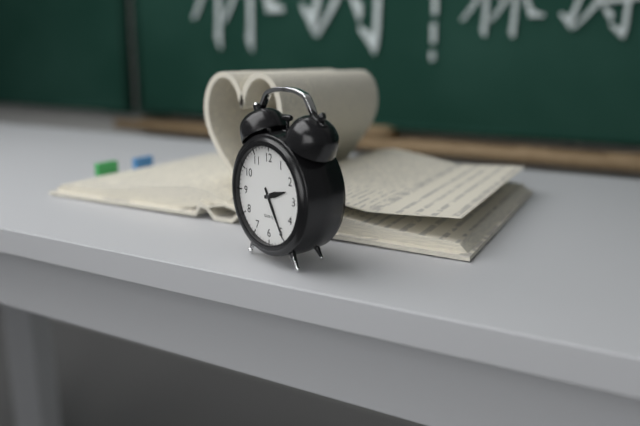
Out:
h=2 m=25
